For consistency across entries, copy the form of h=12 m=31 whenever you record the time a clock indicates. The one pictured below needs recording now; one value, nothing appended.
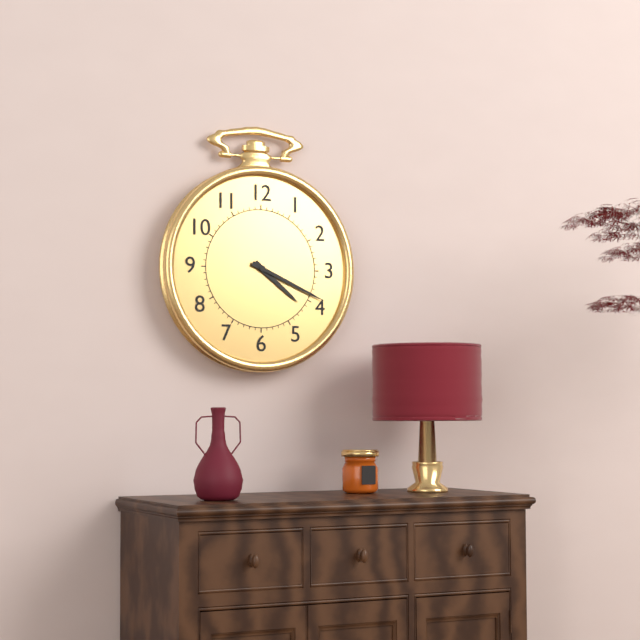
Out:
h=4 m=19
